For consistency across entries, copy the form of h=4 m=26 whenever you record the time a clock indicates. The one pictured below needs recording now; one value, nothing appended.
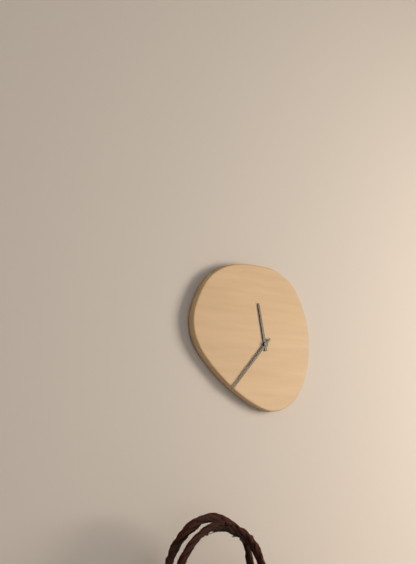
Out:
h=11 m=37
